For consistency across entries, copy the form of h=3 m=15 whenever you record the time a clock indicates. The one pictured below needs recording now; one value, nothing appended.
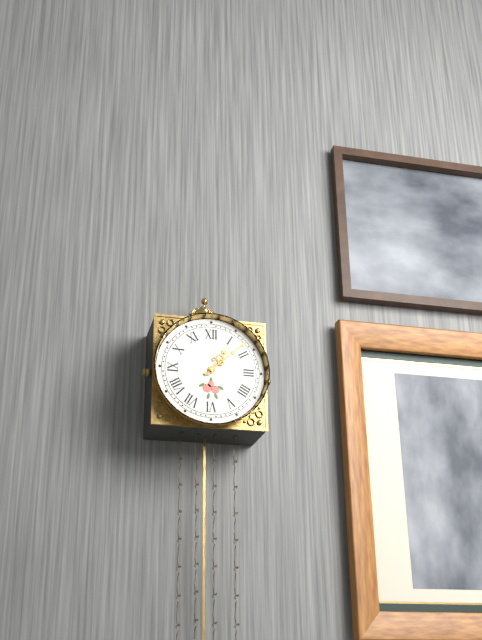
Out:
h=1 m=8
